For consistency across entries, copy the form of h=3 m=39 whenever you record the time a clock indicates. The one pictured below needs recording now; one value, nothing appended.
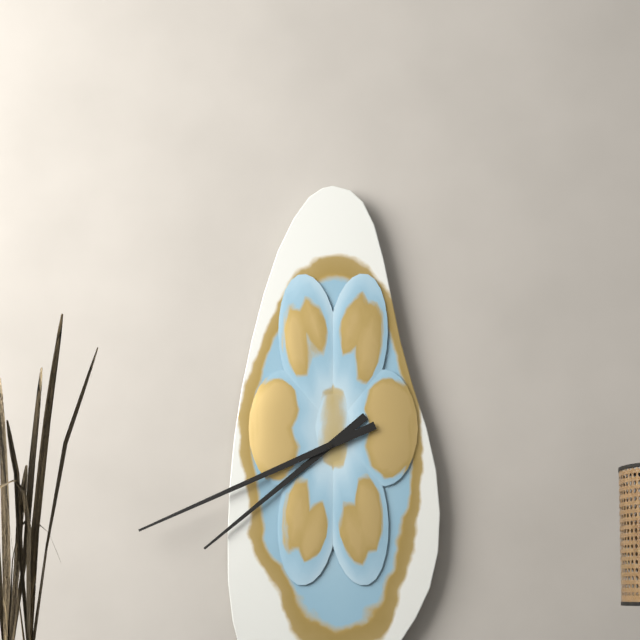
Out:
h=7 m=41
